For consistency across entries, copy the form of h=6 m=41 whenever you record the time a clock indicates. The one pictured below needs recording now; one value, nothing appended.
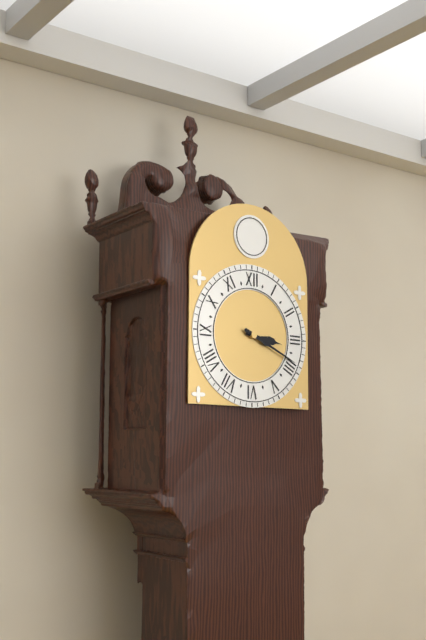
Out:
h=3 m=19
